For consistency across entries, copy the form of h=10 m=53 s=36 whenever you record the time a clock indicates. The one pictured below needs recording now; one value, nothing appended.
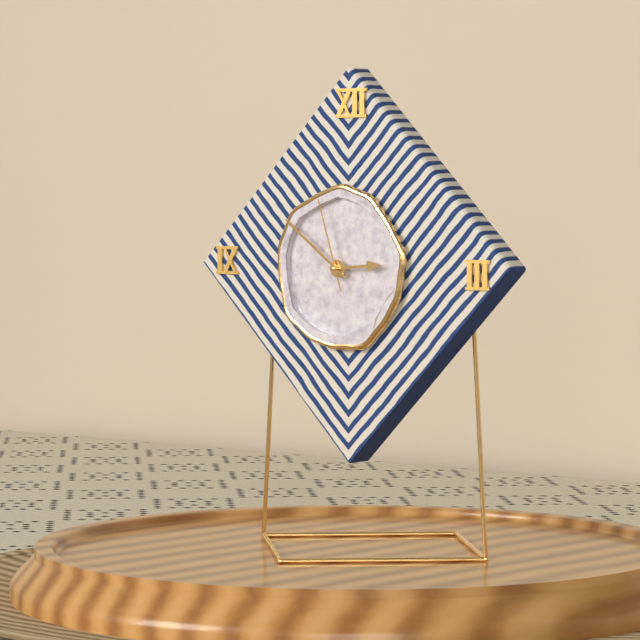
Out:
h=2 m=51 s=57
